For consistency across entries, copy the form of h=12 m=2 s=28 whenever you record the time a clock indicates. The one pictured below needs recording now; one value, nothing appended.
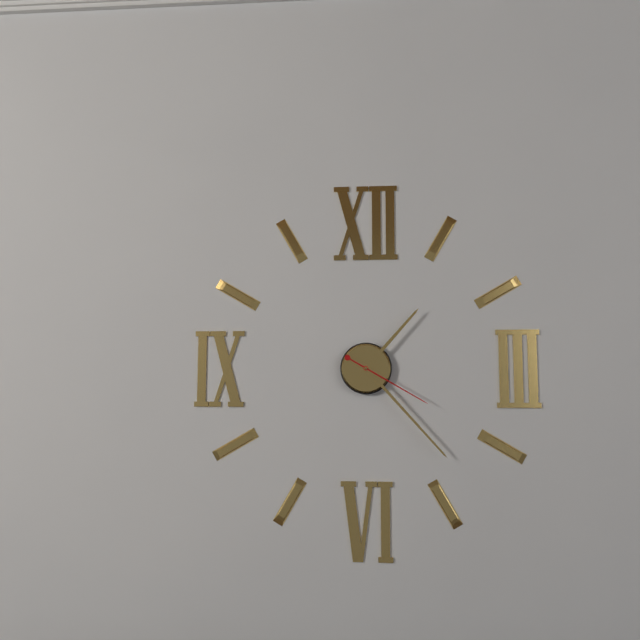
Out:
h=1 m=23 s=20
